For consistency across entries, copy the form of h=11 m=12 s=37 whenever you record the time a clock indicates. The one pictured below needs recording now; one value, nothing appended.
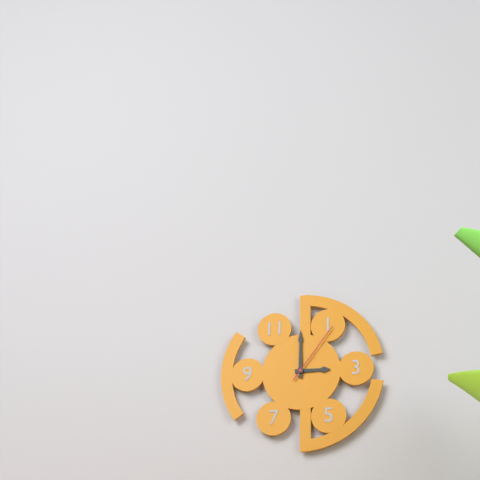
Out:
h=3 m=0 s=6
